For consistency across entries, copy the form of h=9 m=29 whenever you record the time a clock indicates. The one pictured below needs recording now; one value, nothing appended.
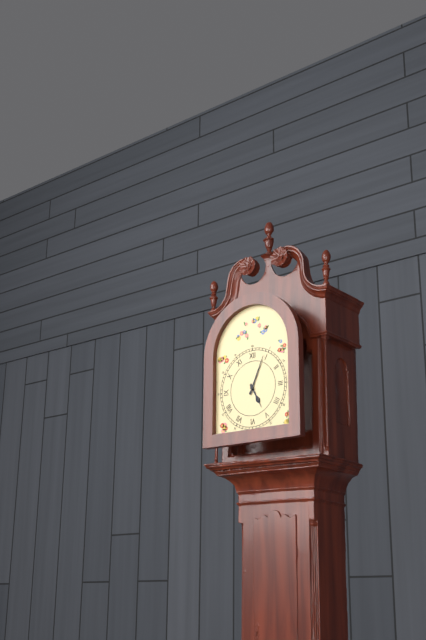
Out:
h=5 m=4
